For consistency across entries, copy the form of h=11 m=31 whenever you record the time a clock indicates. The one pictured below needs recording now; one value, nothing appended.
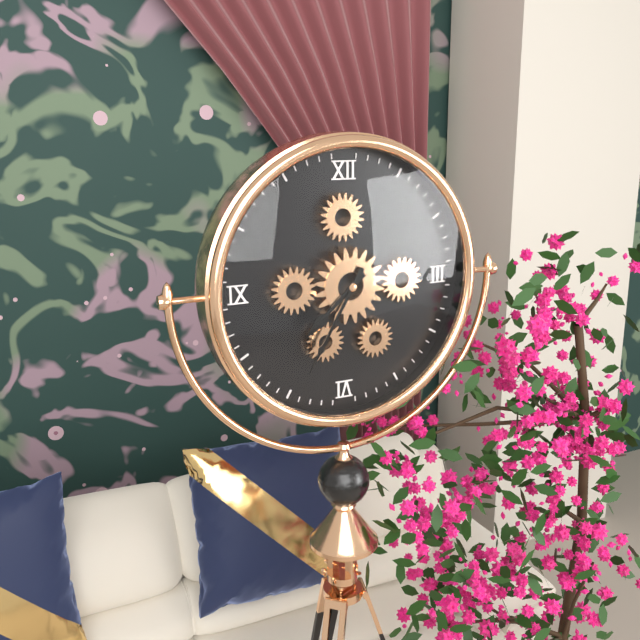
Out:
h=7 m=35
